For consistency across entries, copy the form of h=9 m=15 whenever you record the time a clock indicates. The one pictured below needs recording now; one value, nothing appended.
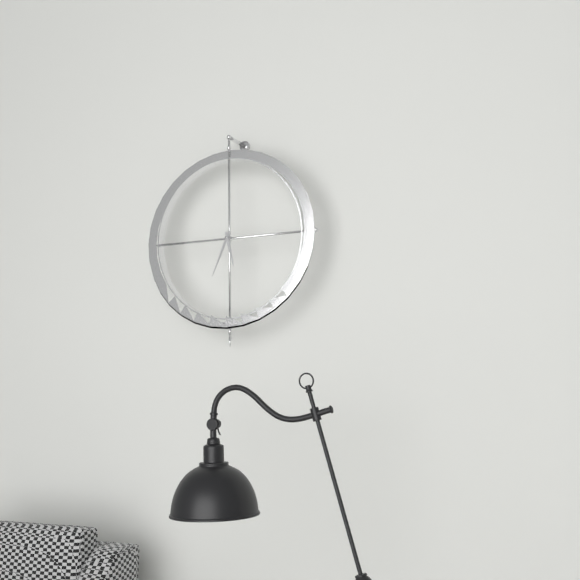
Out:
h=5 m=34
